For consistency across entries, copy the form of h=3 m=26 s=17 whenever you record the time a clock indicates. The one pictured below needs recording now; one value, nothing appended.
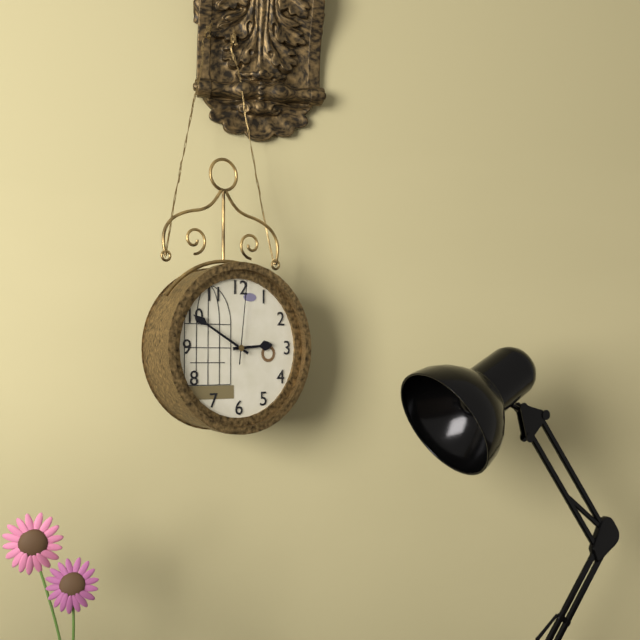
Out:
h=2 m=50 s=1
